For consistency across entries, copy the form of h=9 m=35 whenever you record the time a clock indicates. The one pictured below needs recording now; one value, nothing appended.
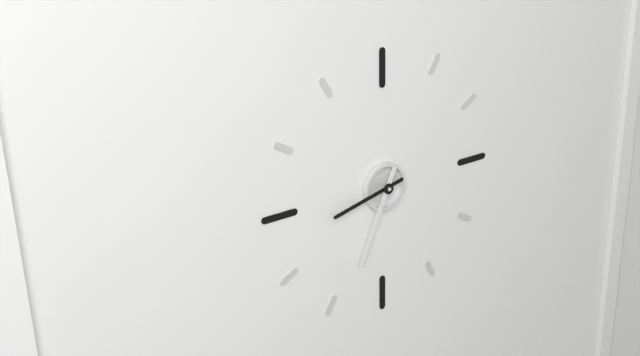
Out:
h=8 m=34
